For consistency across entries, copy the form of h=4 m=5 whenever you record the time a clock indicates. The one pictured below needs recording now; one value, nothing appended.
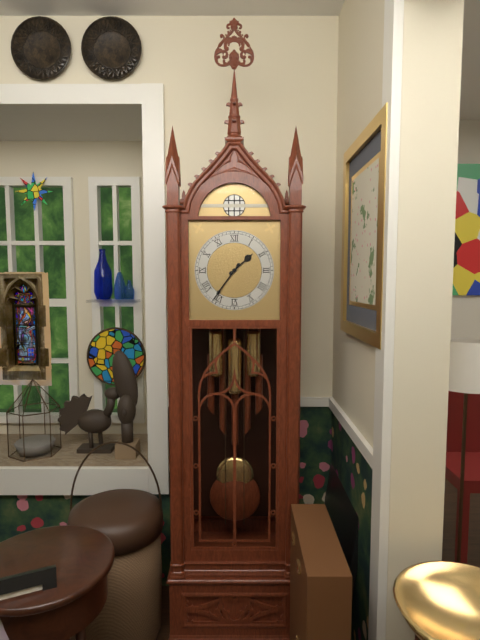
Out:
h=1 m=36
